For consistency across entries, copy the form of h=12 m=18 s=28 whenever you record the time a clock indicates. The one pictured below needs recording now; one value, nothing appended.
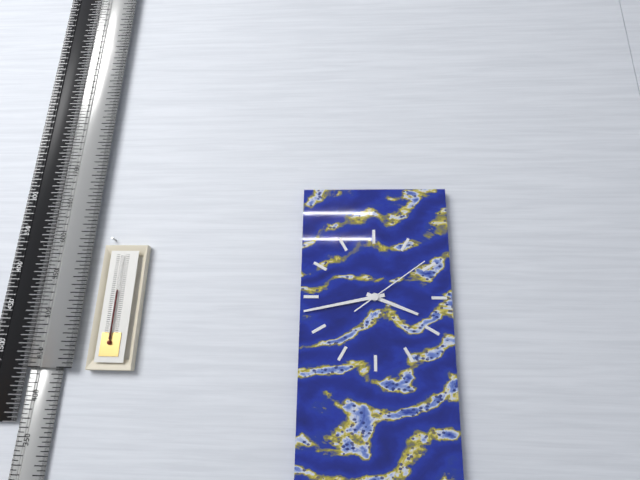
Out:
h=3 m=43 s=9
